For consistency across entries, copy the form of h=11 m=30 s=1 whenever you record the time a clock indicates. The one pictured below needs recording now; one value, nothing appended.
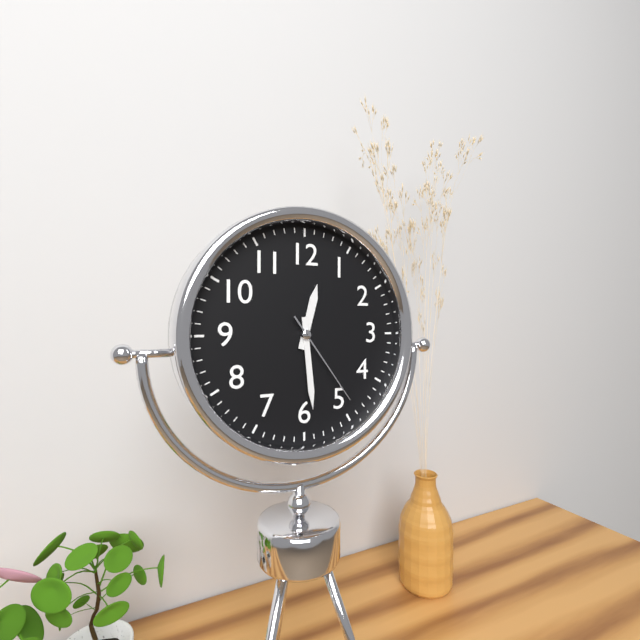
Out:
h=12 m=29 s=24
